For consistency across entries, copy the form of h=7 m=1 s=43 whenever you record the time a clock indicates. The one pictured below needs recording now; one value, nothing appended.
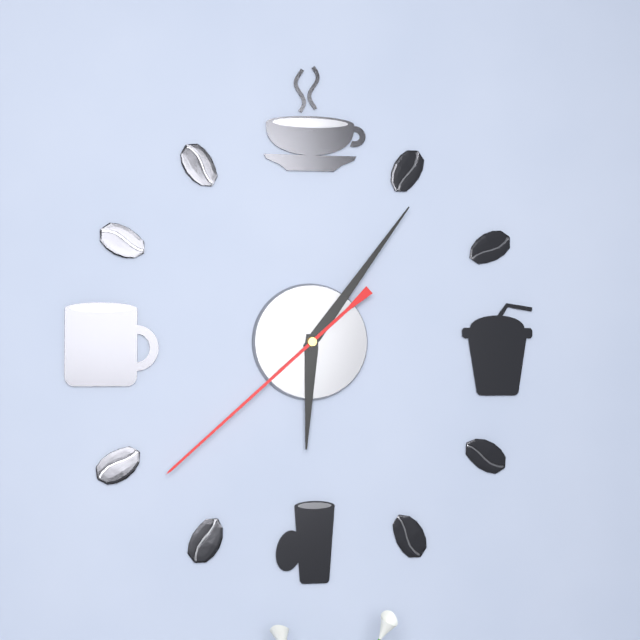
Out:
h=6 m=6 s=38
